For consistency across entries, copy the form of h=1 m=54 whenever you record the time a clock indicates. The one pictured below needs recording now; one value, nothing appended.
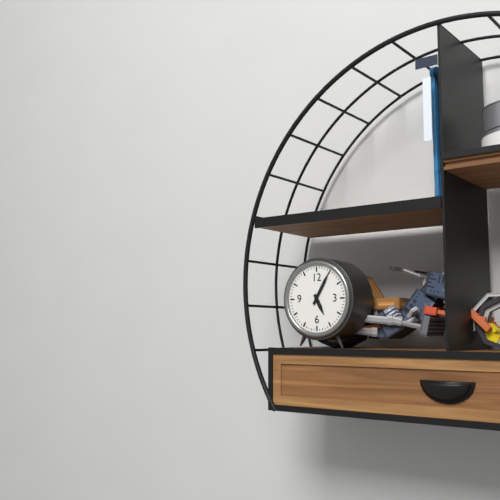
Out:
h=5 m=5
